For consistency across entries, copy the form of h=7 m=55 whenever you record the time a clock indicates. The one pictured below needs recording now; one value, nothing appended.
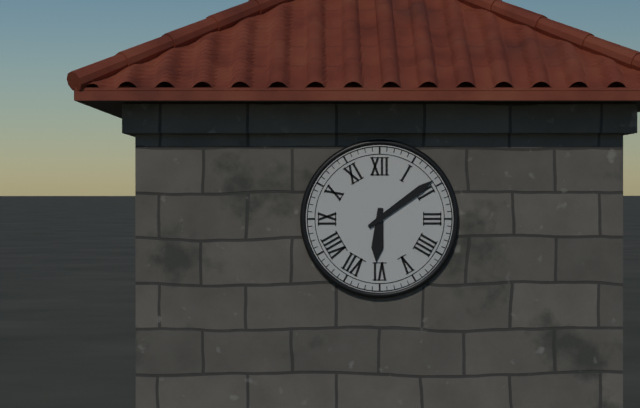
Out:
h=6 m=9
